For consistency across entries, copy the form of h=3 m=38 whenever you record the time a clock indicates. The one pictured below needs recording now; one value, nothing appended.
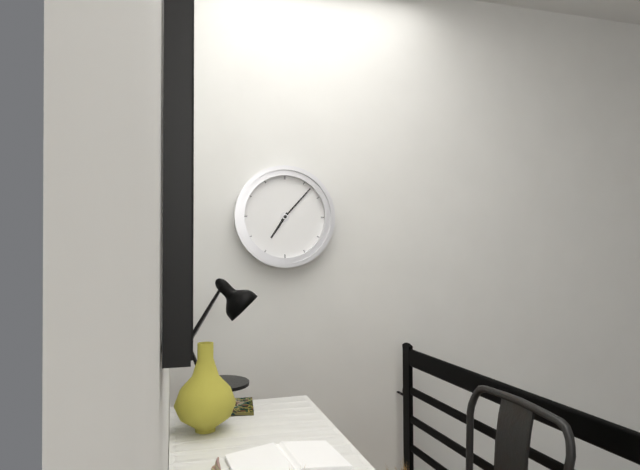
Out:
h=7 m=7
